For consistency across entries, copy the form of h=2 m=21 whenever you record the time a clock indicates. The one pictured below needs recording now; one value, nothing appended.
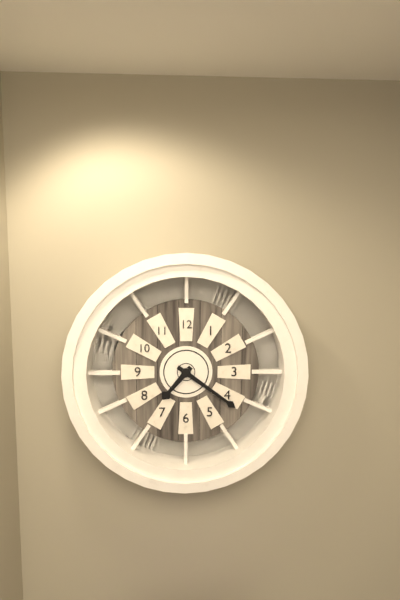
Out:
h=7 m=21
